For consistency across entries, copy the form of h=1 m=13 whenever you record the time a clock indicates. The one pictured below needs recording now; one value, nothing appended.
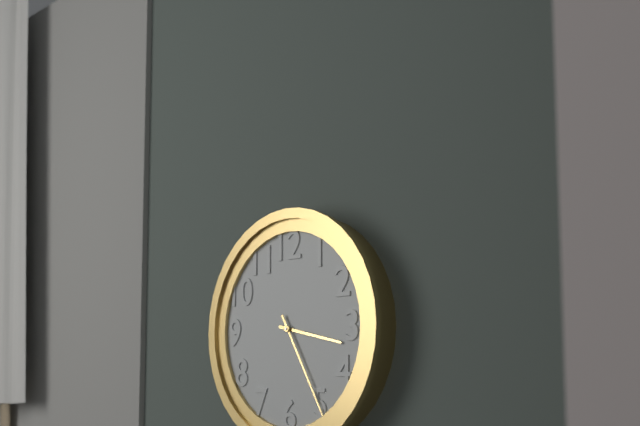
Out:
h=3 m=25
